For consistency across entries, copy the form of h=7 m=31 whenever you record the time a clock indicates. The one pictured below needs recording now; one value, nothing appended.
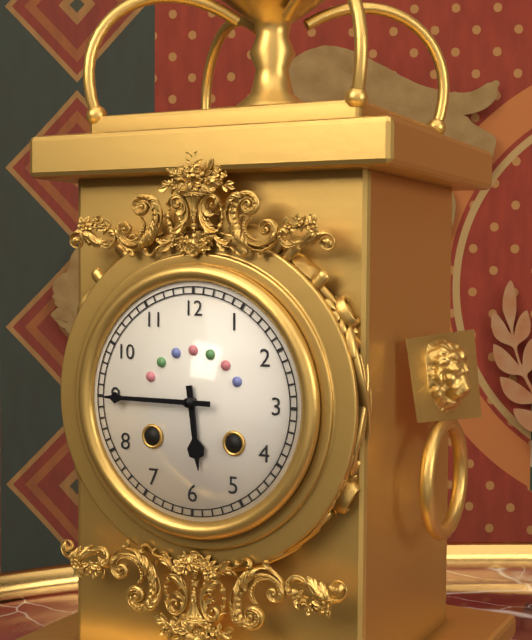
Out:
h=5 m=45
